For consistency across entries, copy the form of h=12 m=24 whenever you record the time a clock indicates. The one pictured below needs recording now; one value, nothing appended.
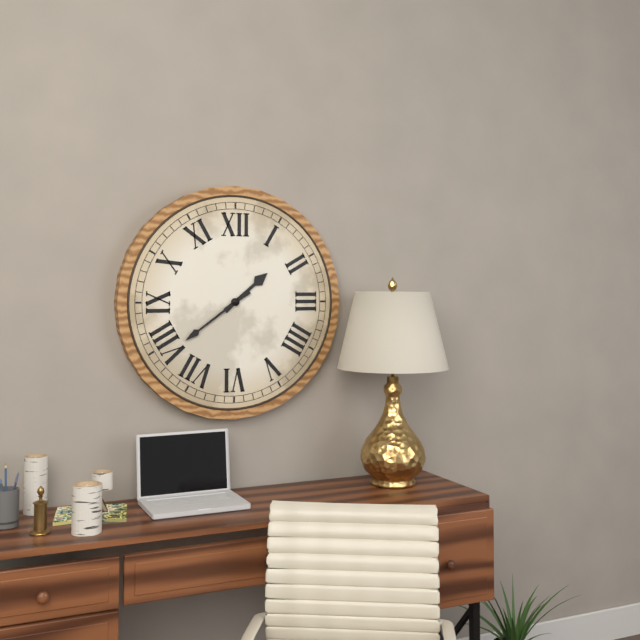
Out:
h=1 m=39
